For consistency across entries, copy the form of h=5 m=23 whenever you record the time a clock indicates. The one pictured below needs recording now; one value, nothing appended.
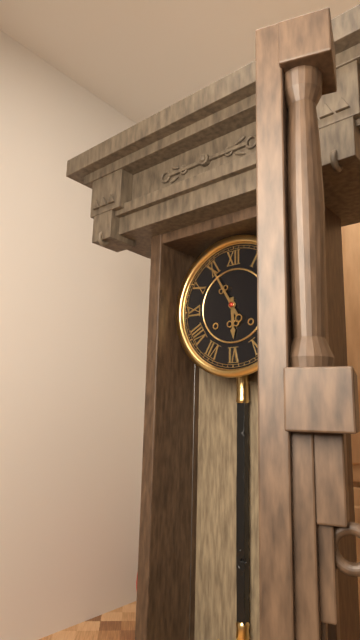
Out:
h=5 m=55
